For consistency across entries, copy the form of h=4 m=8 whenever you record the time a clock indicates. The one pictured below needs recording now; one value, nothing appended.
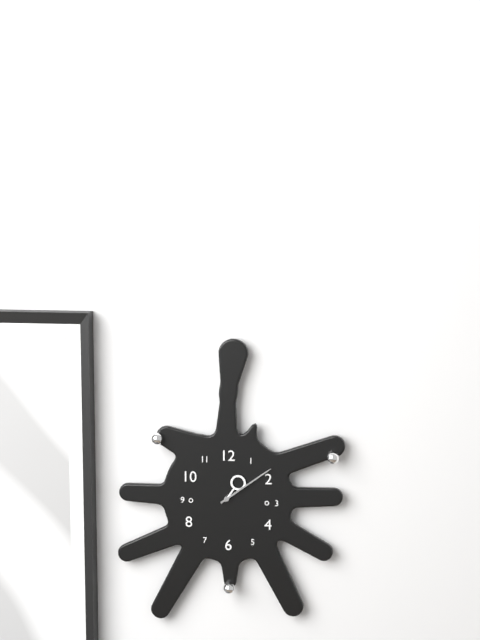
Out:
h=1 m=9
